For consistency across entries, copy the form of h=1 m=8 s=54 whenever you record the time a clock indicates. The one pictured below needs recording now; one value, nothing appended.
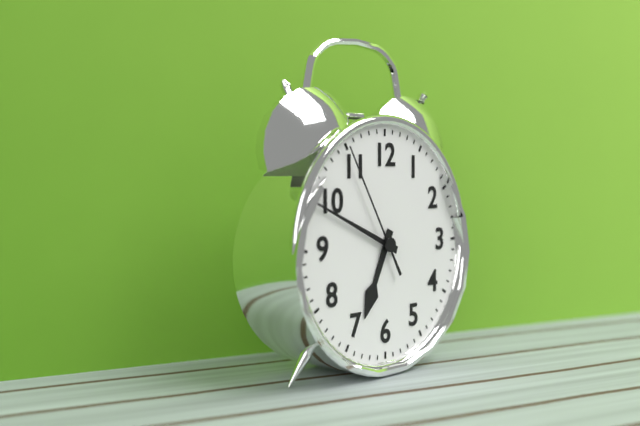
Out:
h=6 m=49 s=55
